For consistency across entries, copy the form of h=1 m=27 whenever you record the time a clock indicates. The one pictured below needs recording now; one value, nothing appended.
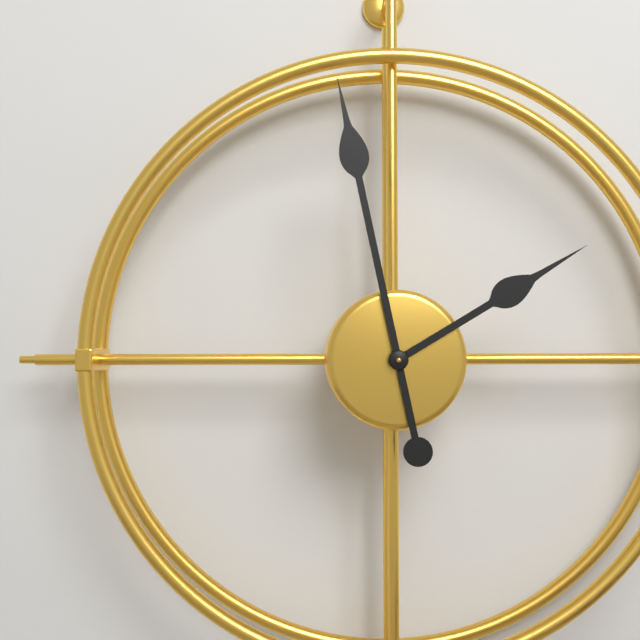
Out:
h=1 m=58
